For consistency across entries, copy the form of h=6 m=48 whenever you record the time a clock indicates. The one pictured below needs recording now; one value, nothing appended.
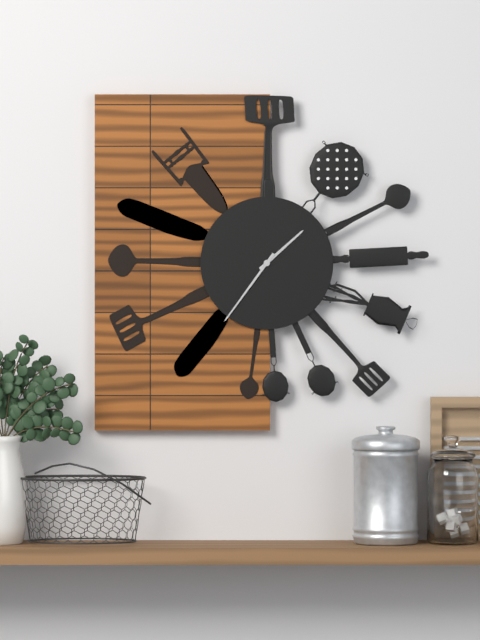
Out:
h=1 m=36
